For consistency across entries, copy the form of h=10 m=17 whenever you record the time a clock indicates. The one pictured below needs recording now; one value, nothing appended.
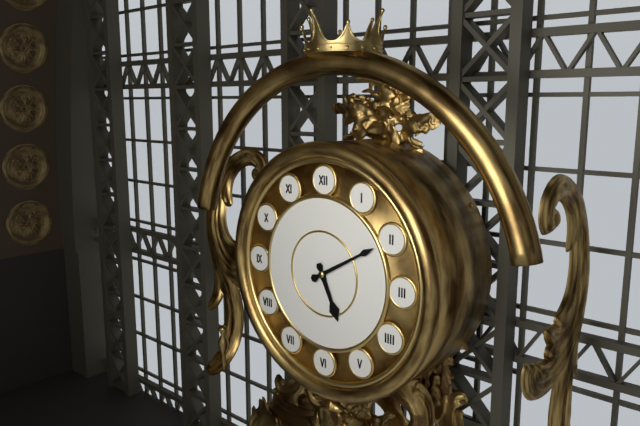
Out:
h=5 m=10
